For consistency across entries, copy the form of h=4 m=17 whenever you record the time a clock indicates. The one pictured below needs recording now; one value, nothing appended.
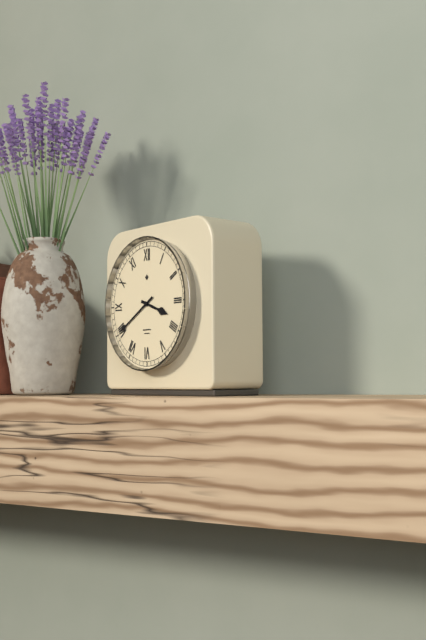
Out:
h=3 m=40
